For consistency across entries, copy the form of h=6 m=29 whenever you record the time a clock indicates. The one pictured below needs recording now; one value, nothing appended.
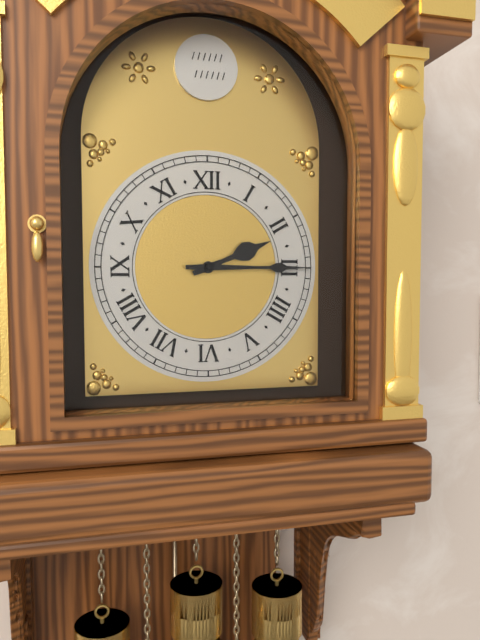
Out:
h=2 m=15
